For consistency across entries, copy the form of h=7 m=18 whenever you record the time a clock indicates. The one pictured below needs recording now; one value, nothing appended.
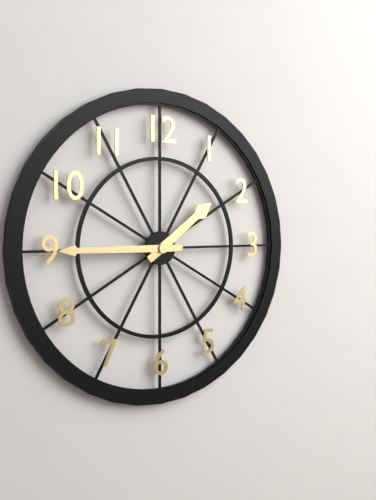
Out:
h=1 m=45
